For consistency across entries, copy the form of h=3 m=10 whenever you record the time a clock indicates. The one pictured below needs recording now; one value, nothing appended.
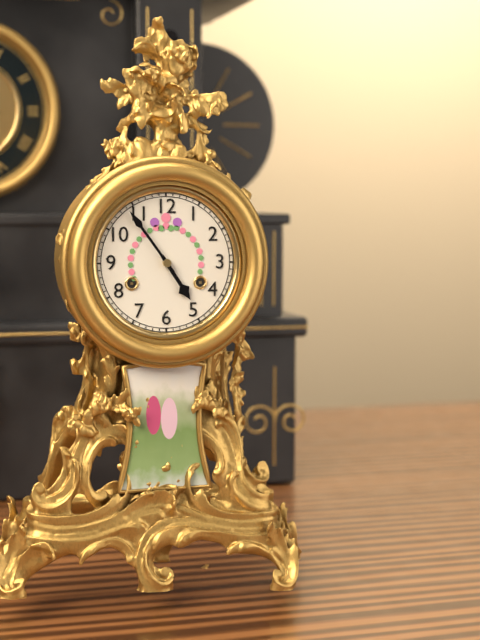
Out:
h=4 m=54
